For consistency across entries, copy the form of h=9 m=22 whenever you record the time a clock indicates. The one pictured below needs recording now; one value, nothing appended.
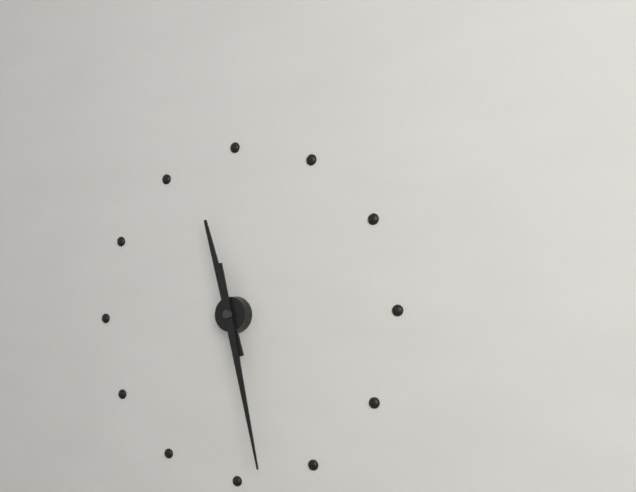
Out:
h=11 m=28
